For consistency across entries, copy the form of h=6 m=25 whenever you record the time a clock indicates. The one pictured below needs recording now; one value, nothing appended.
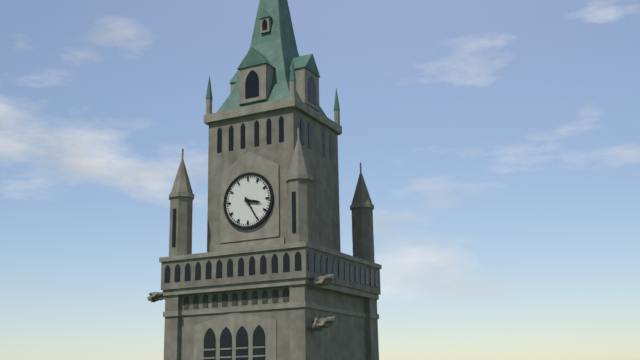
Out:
h=3 m=25
